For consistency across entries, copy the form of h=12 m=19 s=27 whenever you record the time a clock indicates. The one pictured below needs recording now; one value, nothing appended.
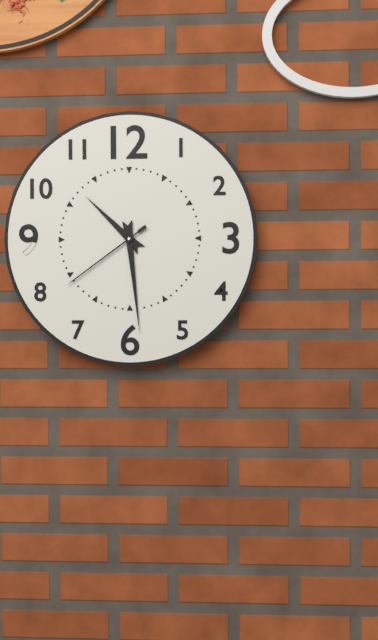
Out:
h=10 m=29 s=39
